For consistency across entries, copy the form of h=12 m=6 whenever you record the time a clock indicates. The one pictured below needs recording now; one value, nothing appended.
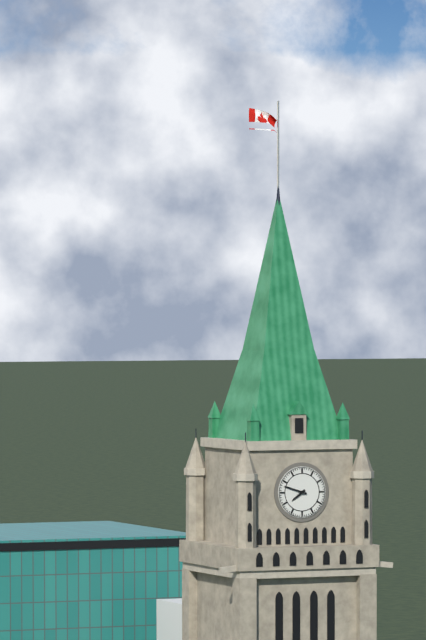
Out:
h=7 m=48
